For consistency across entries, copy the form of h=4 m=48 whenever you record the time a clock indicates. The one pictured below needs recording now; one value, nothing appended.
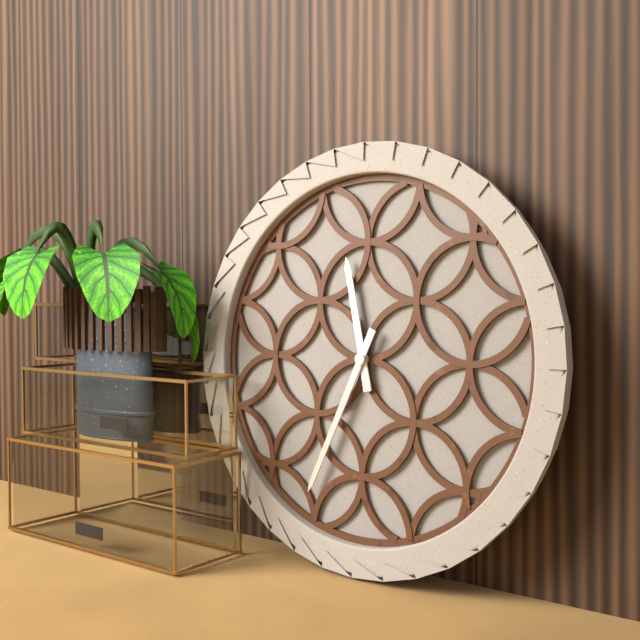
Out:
h=11 m=34
